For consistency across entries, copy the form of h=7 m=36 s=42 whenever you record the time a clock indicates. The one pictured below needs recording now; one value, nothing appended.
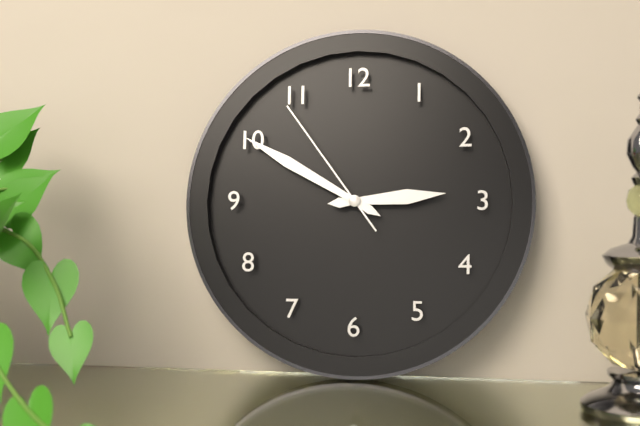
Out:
h=2 m=50 s=54
